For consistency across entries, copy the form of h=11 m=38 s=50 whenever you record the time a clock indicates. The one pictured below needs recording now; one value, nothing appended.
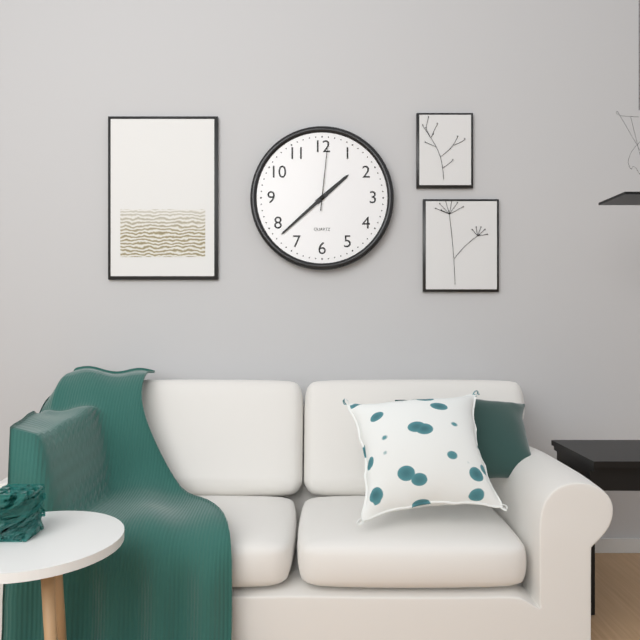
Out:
h=1 m=38 s=1
